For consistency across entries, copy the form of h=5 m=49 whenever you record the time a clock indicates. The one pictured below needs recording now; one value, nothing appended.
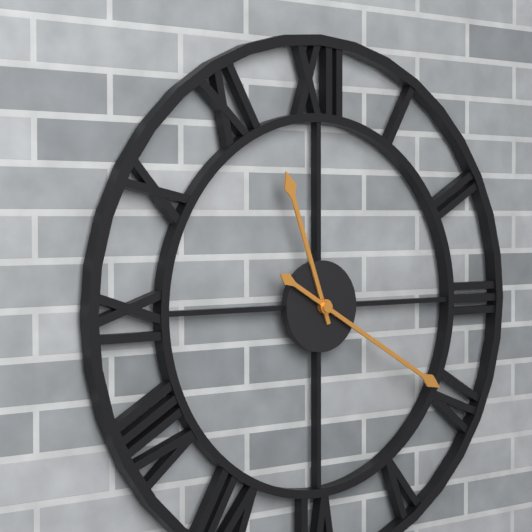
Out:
h=11 m=20
